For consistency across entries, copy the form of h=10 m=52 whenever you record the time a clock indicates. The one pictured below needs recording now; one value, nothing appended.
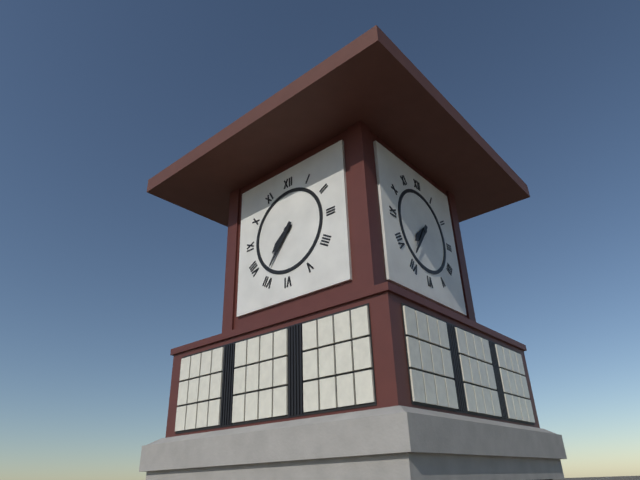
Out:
h=7 m=36
